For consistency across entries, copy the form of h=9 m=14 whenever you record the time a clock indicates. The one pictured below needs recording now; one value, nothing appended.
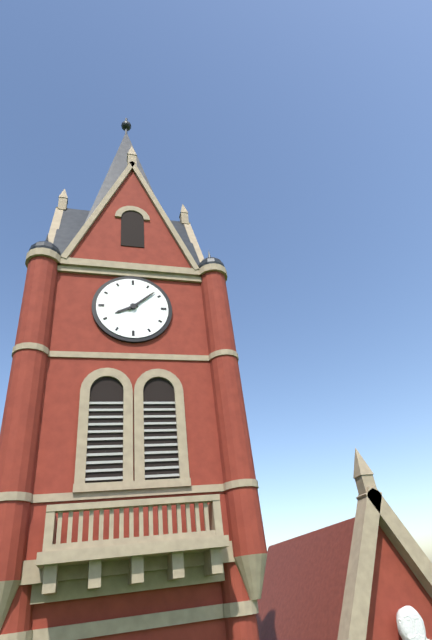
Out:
h=8 m=8
